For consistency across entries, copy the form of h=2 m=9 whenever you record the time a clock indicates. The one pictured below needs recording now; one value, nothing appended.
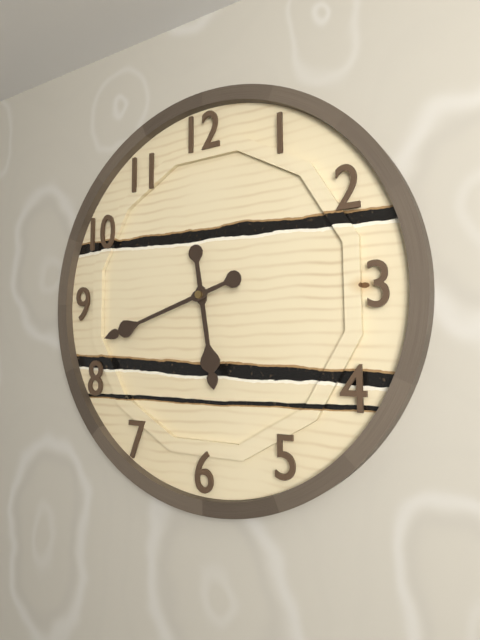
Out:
h=5 m=42
